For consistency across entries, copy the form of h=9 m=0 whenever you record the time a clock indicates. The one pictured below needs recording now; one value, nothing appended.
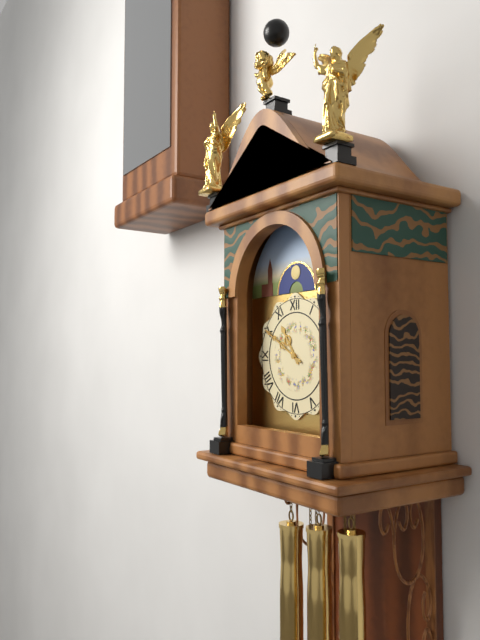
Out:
h=10 m=50
